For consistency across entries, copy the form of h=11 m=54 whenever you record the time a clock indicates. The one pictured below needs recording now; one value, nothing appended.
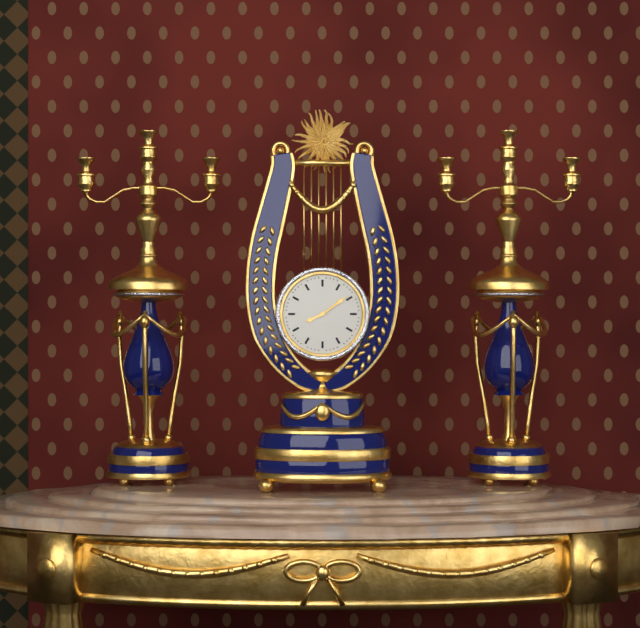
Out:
h=8 m=9
